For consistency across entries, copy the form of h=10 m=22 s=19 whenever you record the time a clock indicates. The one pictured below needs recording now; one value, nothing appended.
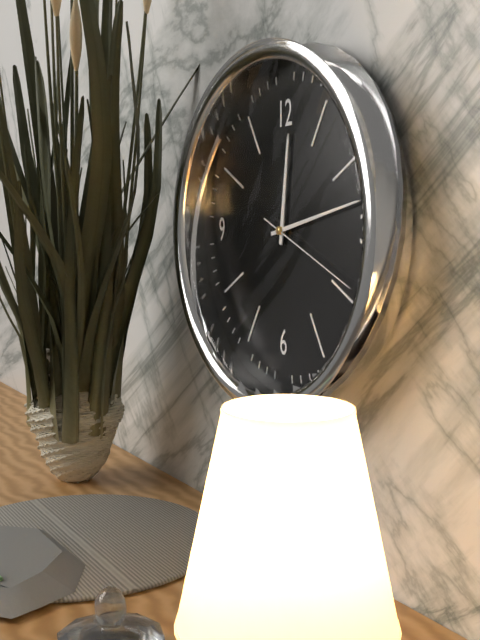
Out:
h=12 m=13 s=19
